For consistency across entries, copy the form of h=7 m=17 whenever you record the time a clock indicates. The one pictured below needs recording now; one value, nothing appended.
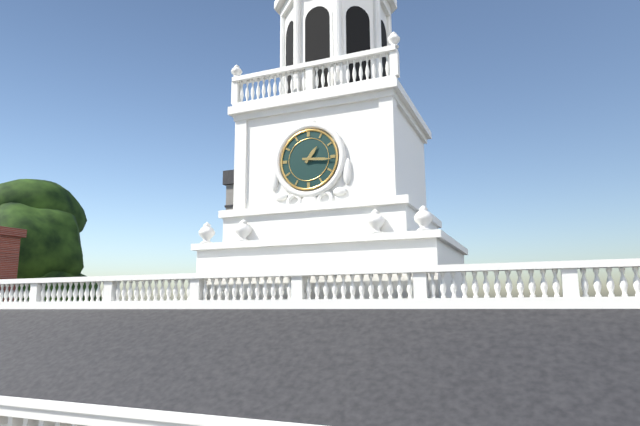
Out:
h=1 m=16
